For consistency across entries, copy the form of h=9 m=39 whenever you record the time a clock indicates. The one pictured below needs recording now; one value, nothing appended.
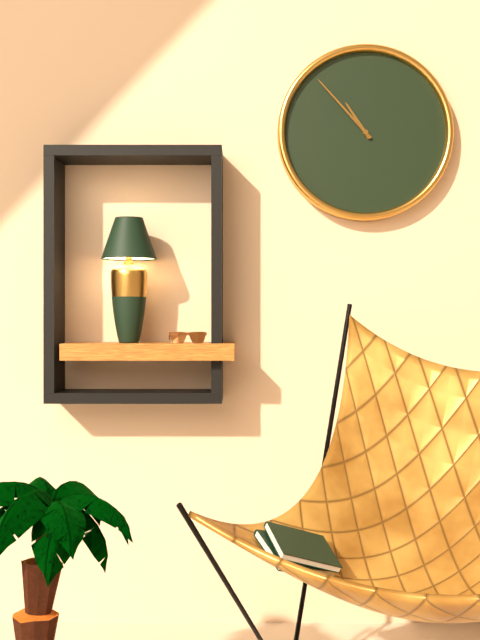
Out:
h=10 m=53
